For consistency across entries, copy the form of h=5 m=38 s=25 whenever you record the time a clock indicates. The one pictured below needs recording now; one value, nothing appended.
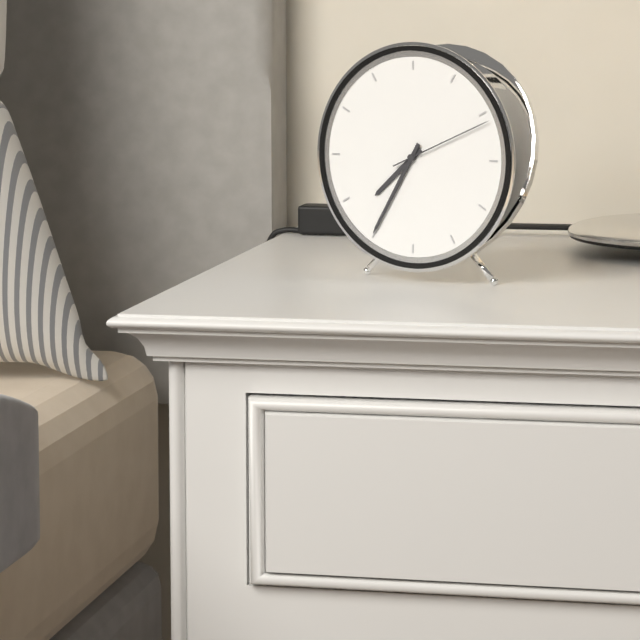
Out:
h=7 m=35 s=11
